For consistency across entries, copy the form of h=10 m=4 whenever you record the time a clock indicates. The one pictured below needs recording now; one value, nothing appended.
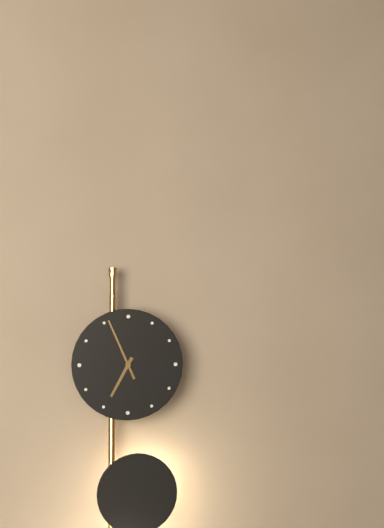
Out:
h=6 m=56
